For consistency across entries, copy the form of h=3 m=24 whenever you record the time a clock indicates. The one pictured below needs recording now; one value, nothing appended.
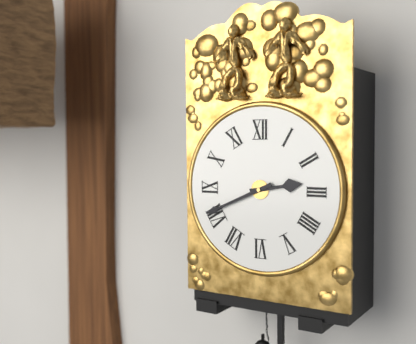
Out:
h=2 m=41
